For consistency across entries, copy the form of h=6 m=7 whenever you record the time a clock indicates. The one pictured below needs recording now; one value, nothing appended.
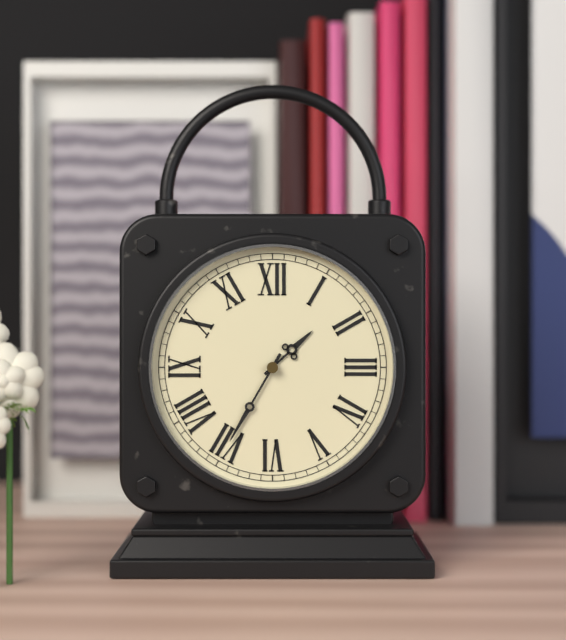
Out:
h=1 m=35
